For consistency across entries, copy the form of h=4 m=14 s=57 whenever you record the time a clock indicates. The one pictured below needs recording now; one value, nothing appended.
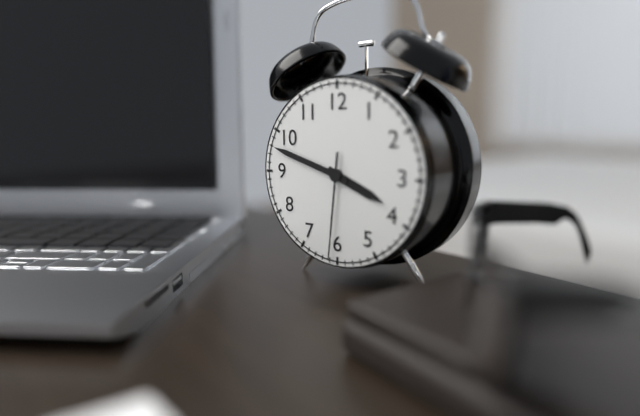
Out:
h=3 m=48 s=31
